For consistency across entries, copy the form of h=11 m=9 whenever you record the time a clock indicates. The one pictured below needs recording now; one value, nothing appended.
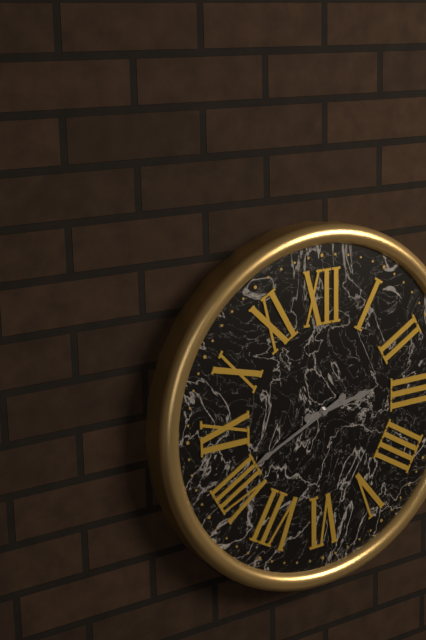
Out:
h=2 m=41
